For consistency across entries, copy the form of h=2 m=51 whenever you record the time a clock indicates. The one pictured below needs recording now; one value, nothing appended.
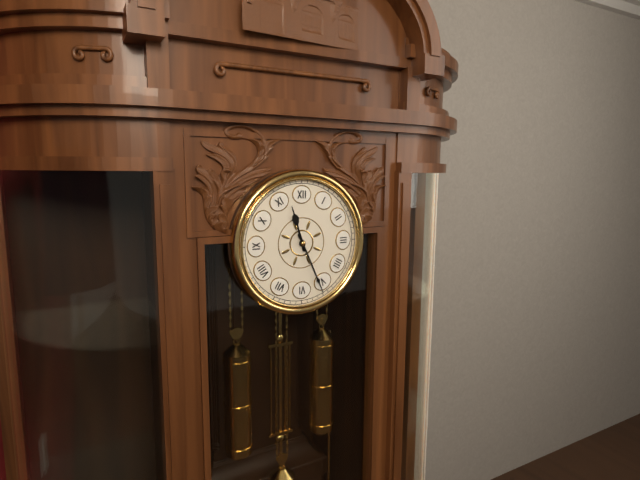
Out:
h=11 m=26
